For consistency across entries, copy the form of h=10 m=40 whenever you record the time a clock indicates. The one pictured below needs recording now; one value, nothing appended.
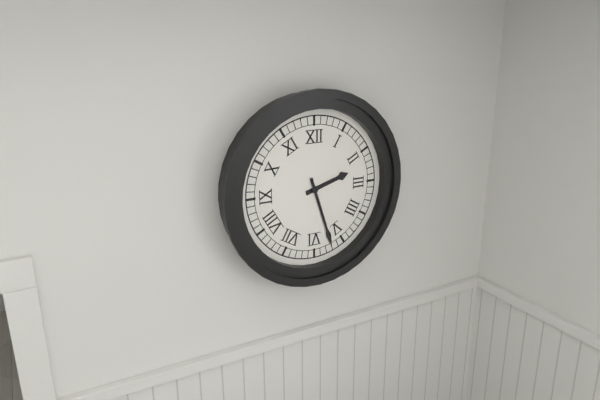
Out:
h=2 m=27
